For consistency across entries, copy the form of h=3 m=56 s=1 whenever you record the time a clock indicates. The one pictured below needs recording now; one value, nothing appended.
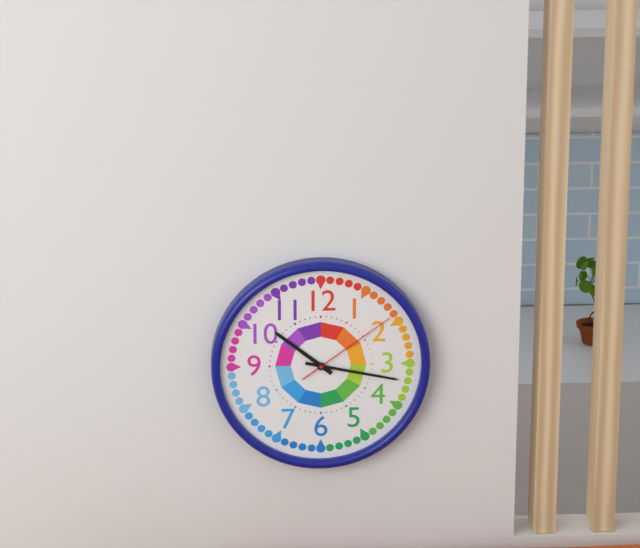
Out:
h=10 m=17 s=9
